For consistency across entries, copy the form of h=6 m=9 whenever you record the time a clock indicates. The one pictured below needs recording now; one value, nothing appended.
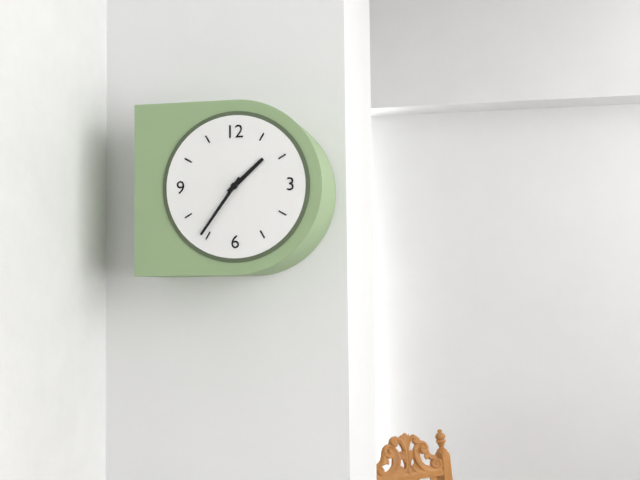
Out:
h=1 m=36
